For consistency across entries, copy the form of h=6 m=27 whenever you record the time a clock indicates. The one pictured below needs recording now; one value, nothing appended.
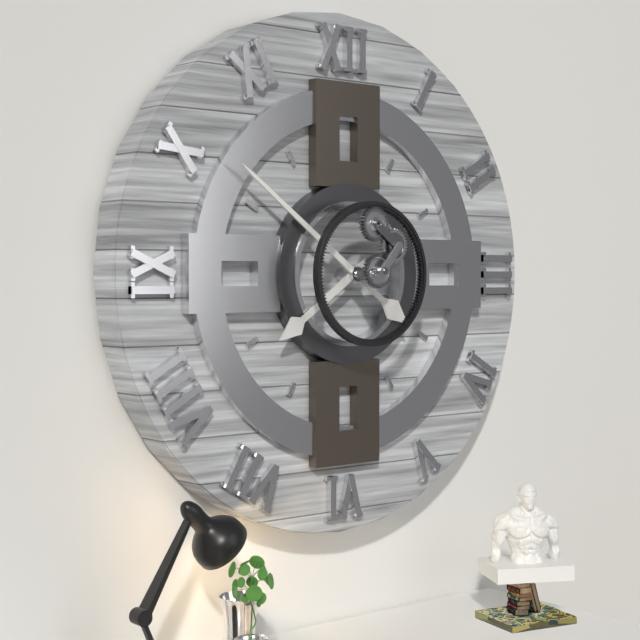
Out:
h=7 m=51
